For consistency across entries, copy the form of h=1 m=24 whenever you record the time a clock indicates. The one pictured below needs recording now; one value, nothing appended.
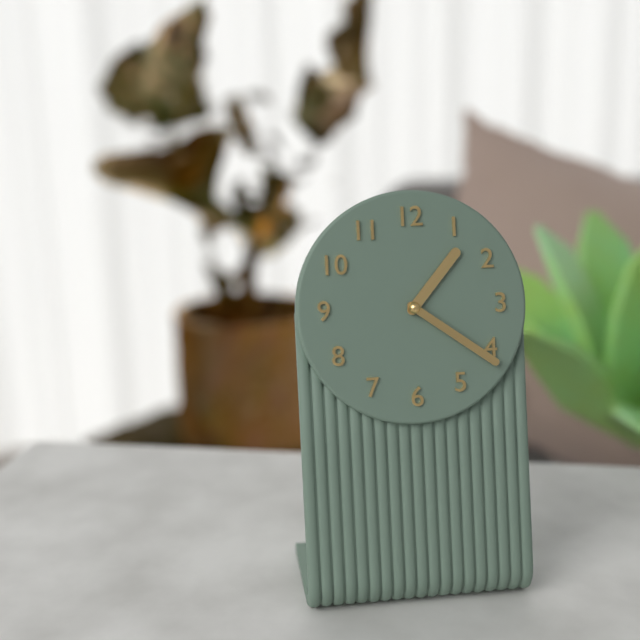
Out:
h=1 m=21
